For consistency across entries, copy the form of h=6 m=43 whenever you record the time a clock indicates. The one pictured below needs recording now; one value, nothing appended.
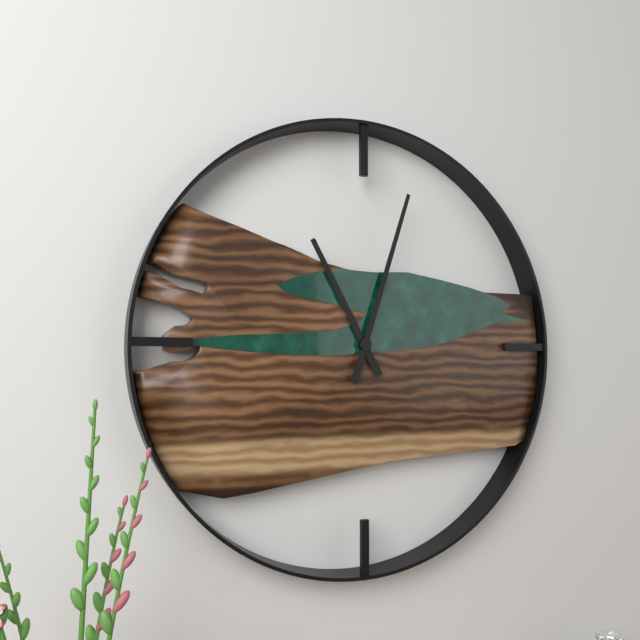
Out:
h=11 m=3
